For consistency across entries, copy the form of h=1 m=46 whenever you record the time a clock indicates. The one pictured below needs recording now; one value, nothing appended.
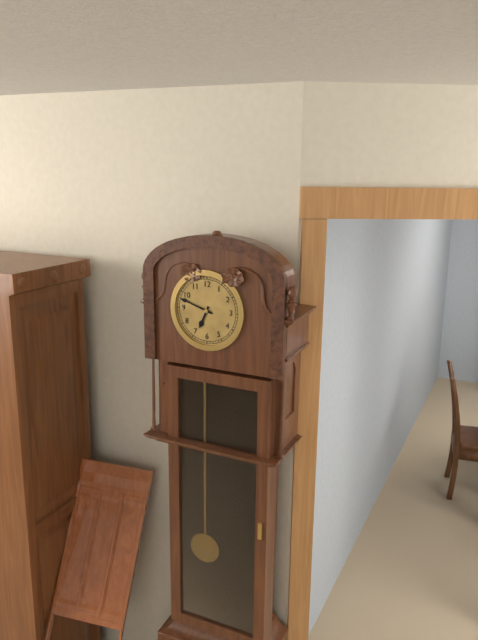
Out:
h=6 m=48
